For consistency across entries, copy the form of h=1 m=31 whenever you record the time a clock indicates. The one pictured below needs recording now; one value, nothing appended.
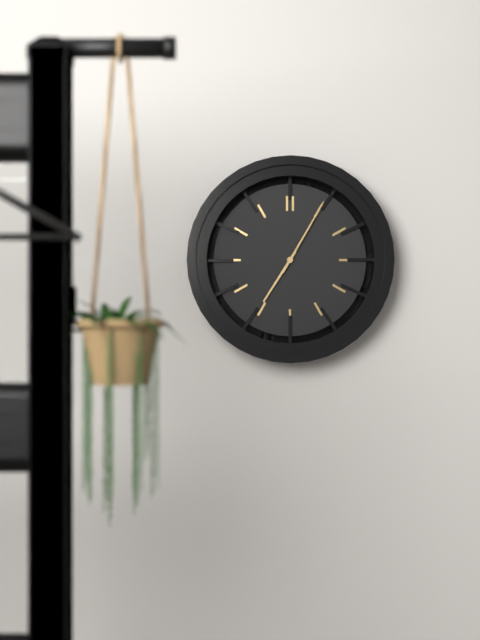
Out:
h=7 m=5
